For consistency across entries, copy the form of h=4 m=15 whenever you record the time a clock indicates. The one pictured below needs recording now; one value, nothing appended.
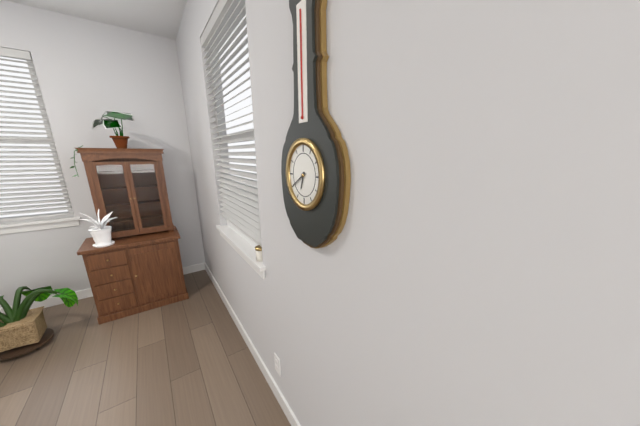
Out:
h=6 m=40
